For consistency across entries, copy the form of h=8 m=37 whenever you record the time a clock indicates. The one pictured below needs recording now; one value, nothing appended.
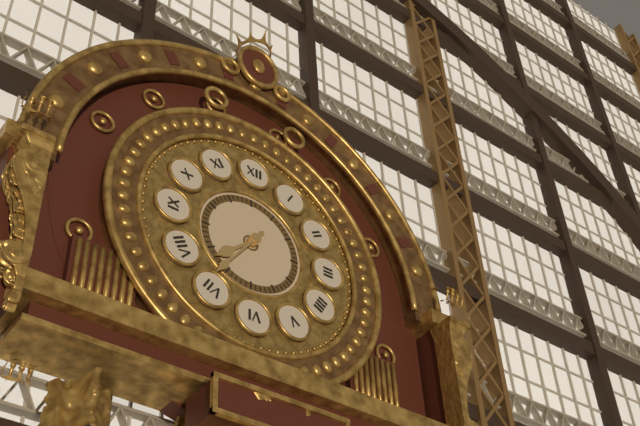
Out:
h=7 m=36
